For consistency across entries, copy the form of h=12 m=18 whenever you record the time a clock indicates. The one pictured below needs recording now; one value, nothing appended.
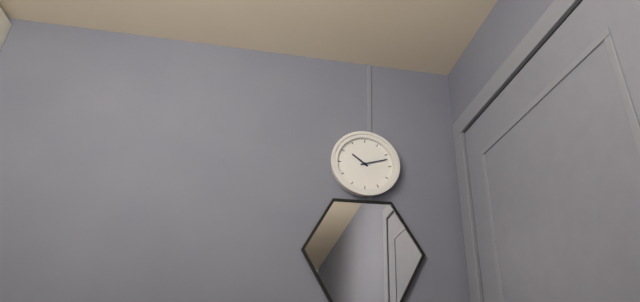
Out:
h=10 m=12
